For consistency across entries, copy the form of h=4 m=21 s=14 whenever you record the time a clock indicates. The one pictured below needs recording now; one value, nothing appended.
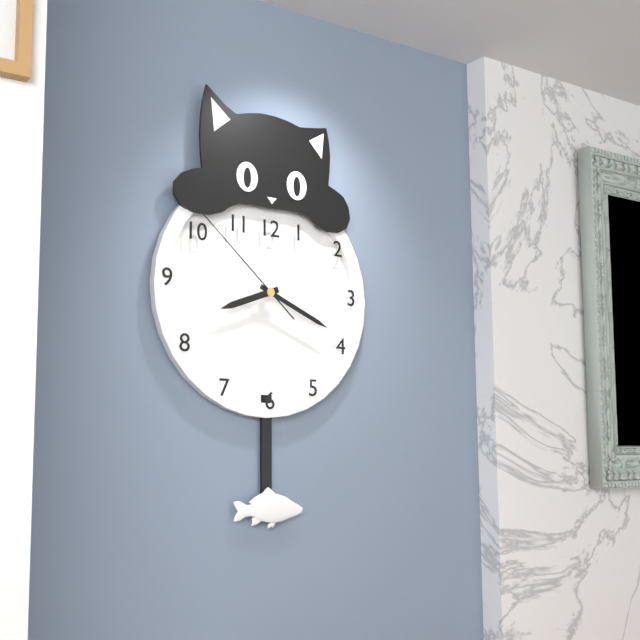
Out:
h=8 m=19 s=52
